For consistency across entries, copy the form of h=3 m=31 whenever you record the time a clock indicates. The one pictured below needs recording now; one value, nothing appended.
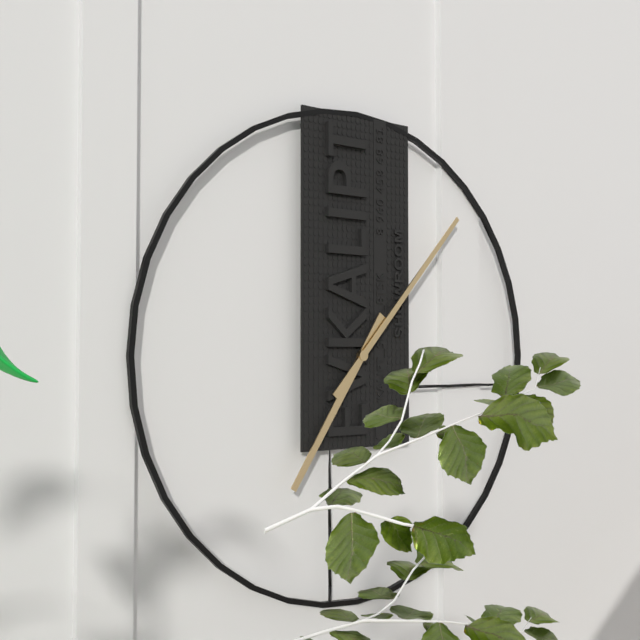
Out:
h=7 m=7
